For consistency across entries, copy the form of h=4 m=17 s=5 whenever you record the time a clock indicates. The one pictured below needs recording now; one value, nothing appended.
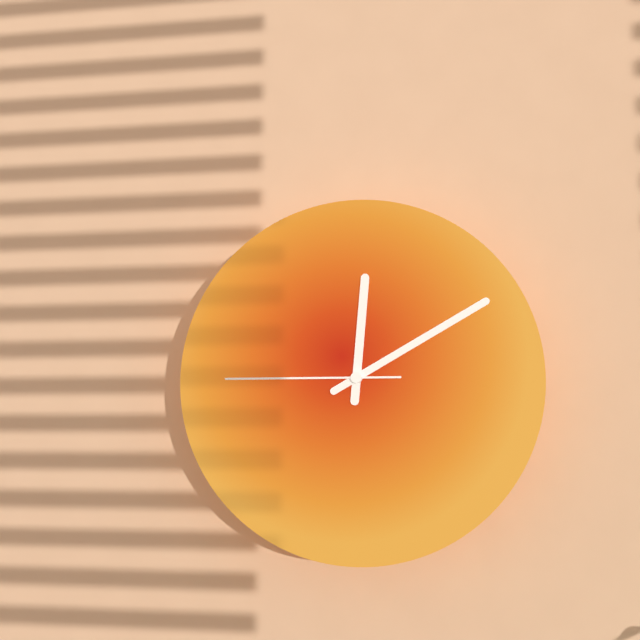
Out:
h=12 m=10 s=45
